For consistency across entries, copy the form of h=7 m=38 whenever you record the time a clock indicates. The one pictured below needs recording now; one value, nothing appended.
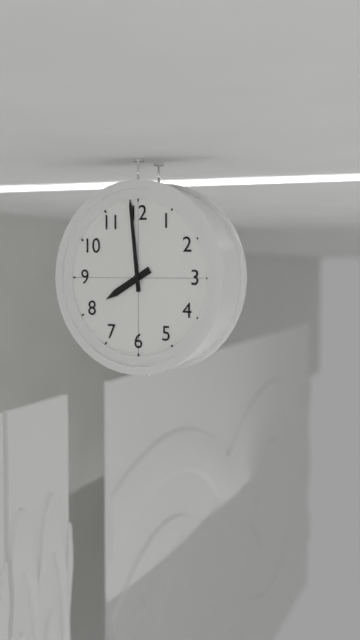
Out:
h=7 m=59
